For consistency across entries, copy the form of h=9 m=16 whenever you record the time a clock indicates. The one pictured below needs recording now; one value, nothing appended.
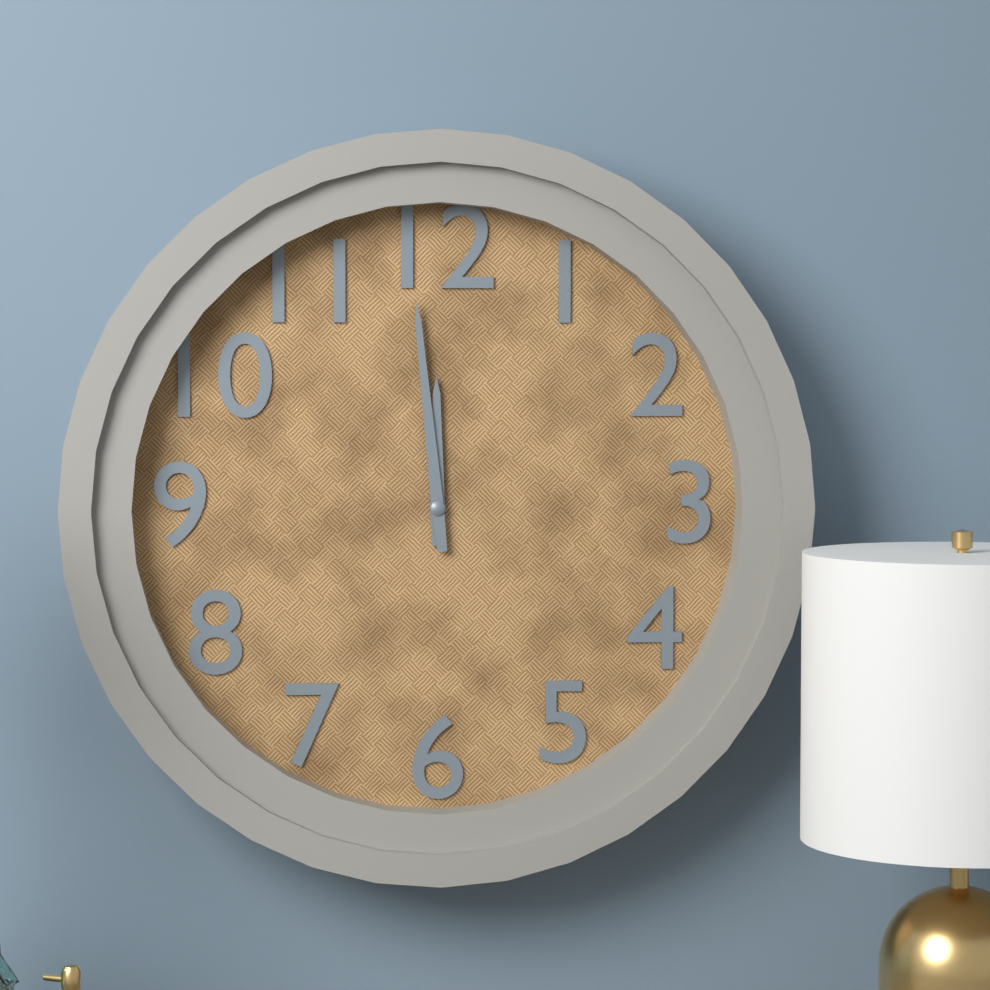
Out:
h=11 m=59
